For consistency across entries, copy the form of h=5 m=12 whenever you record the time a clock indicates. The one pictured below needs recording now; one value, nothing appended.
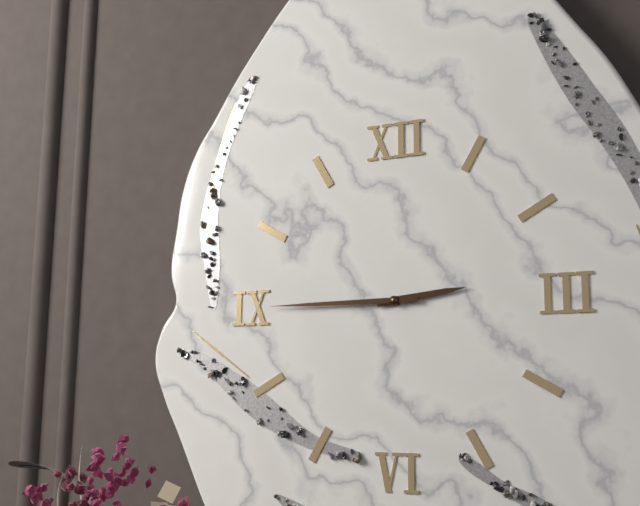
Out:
h=2 m=45
